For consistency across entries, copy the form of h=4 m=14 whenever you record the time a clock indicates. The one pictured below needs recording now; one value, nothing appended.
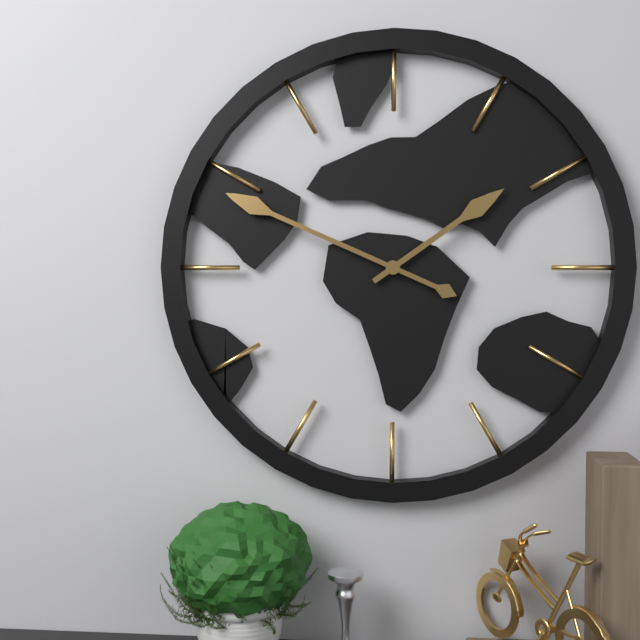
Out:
h=1 m=49
